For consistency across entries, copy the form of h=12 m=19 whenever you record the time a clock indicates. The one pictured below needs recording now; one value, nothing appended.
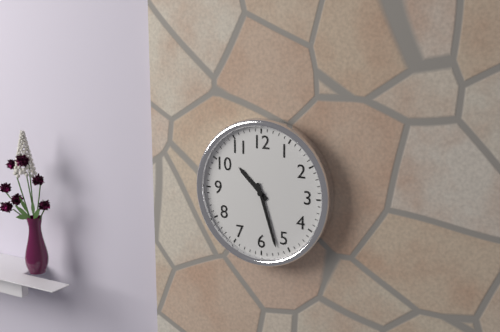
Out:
h=10 m=27
